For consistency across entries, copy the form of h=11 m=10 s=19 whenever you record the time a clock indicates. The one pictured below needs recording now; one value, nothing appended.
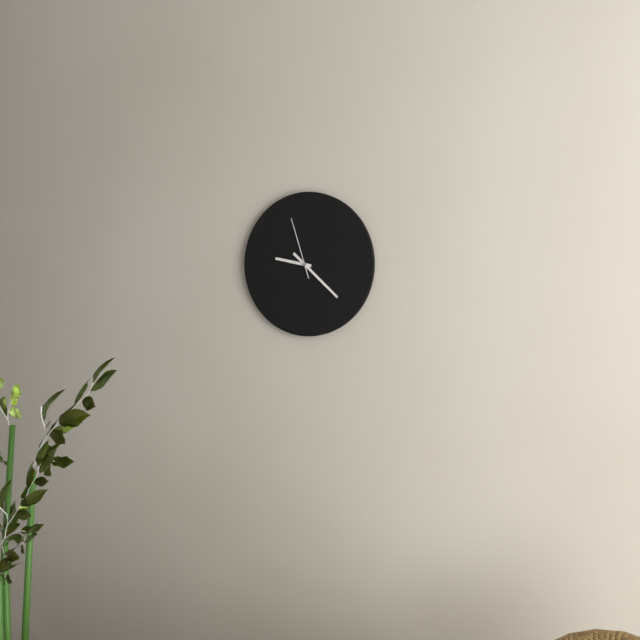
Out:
h=9 m=22 s=57
